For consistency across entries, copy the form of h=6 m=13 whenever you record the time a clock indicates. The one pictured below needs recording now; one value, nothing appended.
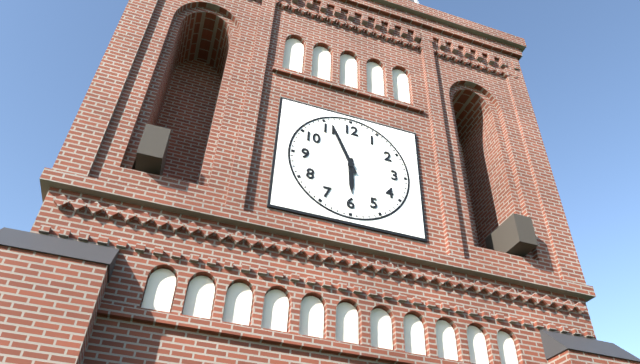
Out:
h=5 m=56
